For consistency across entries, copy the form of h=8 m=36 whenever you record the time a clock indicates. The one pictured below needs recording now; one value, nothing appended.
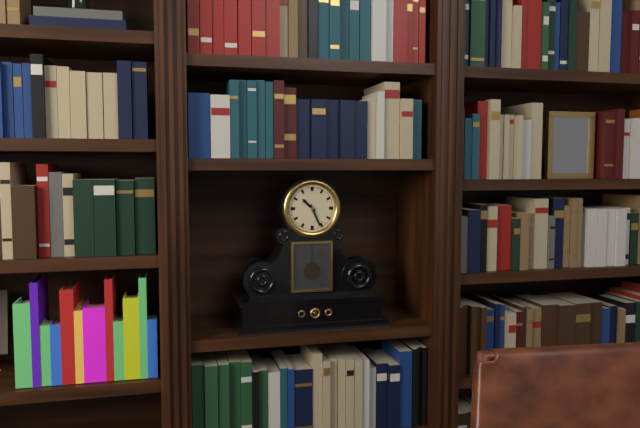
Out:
h=10 m=26
